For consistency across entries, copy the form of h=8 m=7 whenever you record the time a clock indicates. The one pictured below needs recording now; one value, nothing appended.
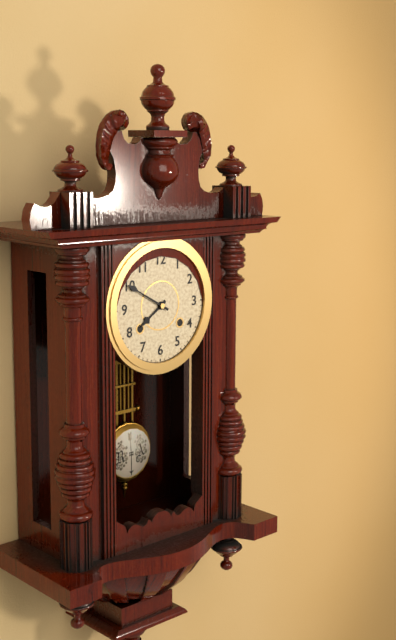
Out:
h=7 m=50
